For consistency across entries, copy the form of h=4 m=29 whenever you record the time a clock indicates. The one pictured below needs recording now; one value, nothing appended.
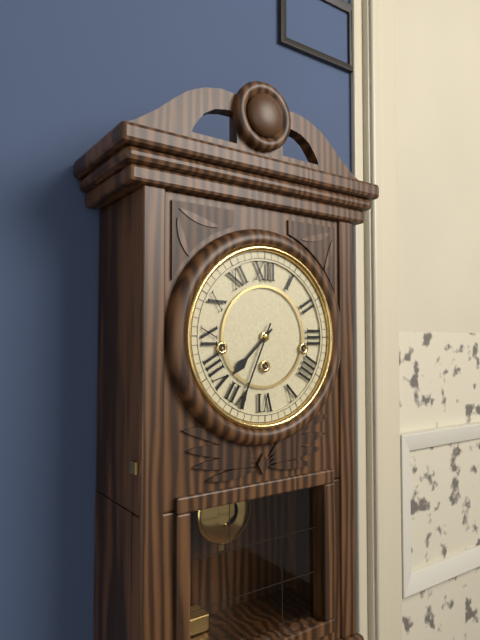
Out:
h=7 m=34
